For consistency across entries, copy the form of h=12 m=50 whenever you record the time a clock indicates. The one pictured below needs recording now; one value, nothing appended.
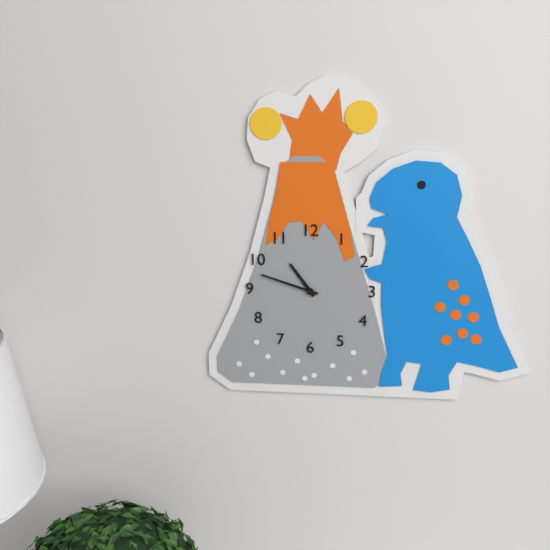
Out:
h=10 m=48
